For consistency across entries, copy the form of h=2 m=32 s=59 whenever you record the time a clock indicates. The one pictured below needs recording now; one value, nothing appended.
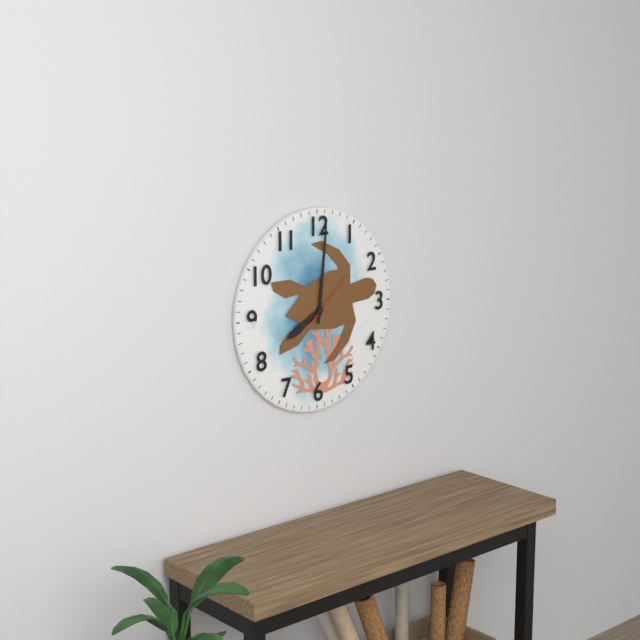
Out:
h=8 m=1 s=8
